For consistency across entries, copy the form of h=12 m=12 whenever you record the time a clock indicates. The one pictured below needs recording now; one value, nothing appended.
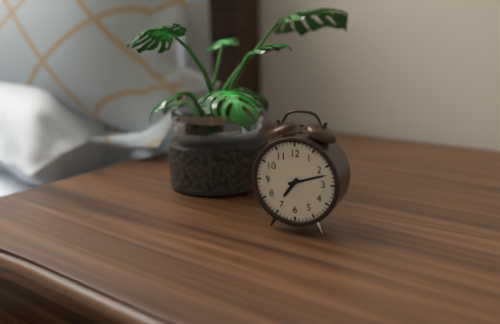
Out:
h=7 m=12
